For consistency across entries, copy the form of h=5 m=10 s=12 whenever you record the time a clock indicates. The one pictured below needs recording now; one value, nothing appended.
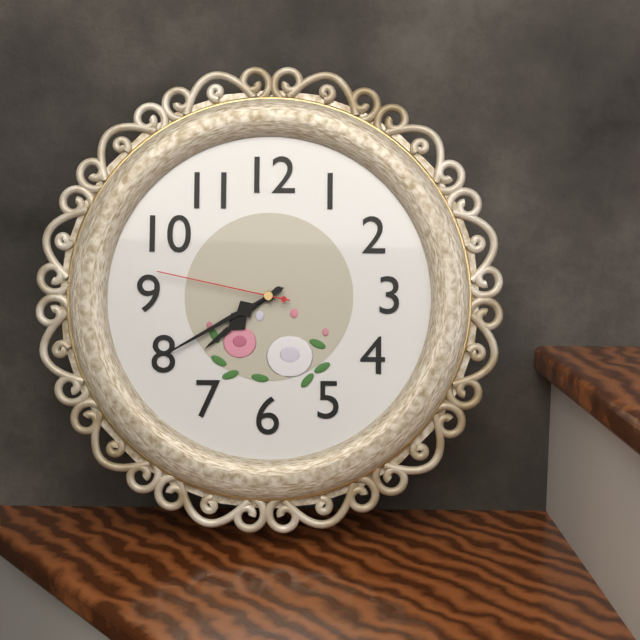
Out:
h=7 m=40 s=47
